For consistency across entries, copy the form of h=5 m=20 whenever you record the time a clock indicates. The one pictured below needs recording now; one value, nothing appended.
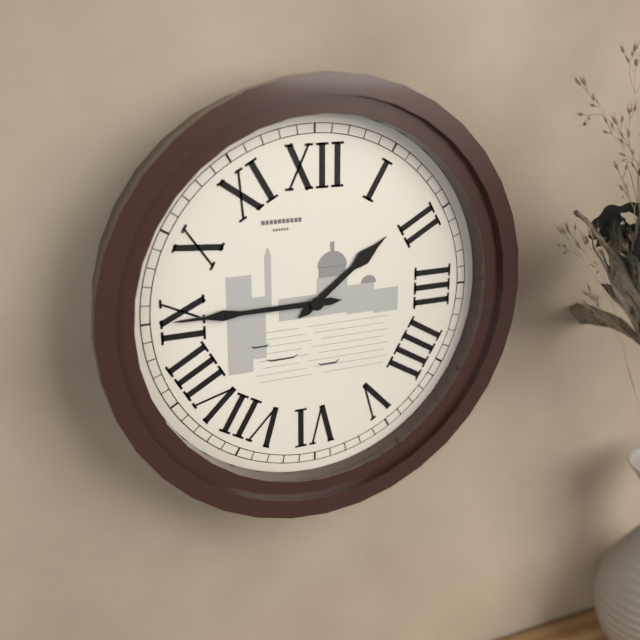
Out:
h=1 m=45
